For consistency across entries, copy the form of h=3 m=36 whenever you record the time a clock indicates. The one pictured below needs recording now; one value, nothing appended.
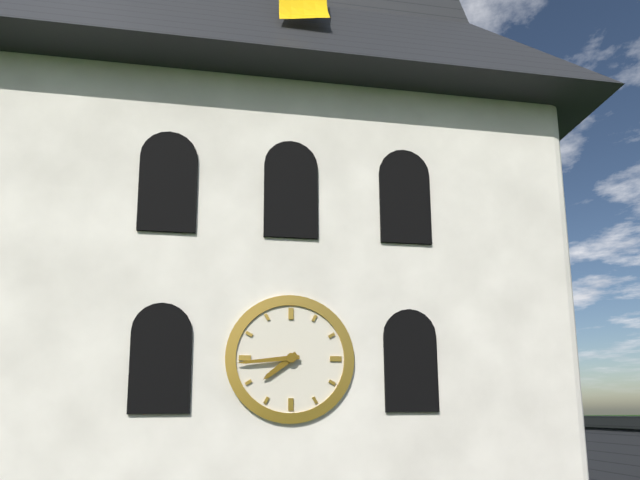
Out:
h=7 m=44
